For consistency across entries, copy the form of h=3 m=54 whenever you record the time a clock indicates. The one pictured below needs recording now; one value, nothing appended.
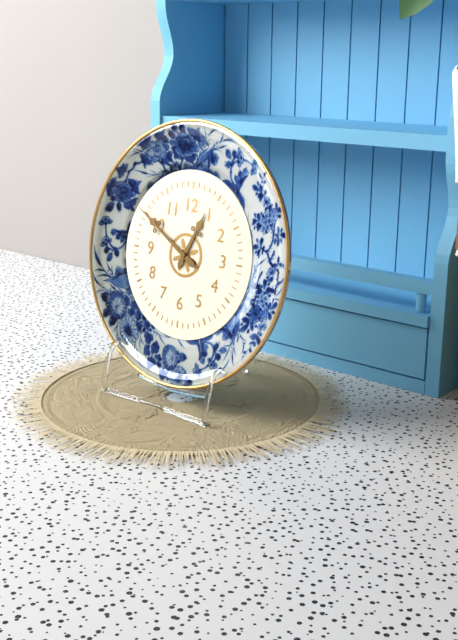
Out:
h=12 m=50
